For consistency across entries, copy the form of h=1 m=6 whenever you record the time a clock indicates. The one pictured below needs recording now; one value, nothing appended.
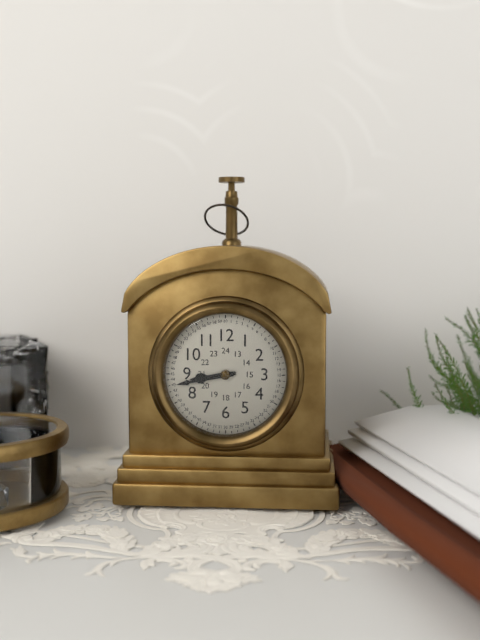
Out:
h=8 m=43
